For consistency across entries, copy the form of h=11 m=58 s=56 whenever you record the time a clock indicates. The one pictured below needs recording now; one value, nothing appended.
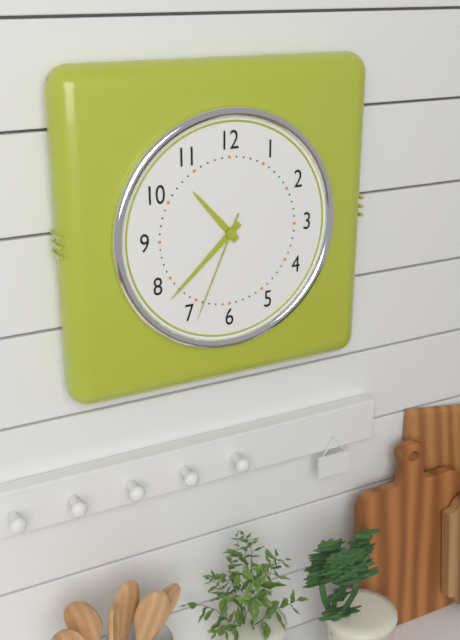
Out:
h=10 m=38 s=34
